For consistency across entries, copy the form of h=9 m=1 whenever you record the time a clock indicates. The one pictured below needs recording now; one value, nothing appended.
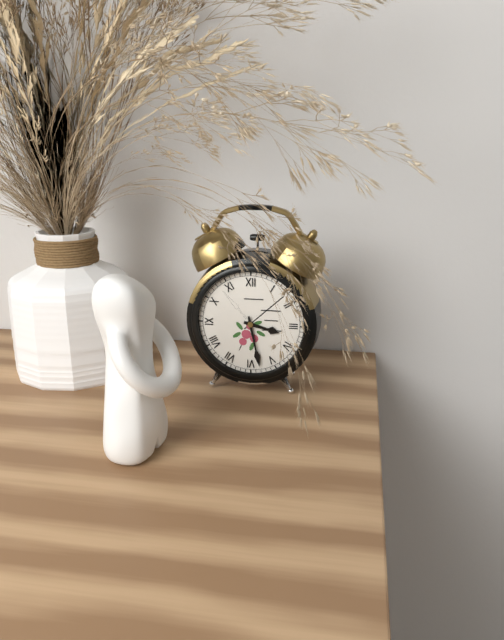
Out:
h=3 m=28
